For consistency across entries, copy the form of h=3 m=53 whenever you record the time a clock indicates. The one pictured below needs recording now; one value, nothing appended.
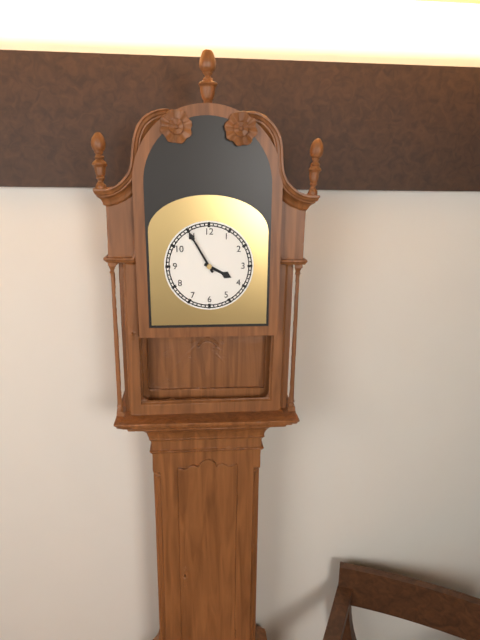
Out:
h=3 m=55
